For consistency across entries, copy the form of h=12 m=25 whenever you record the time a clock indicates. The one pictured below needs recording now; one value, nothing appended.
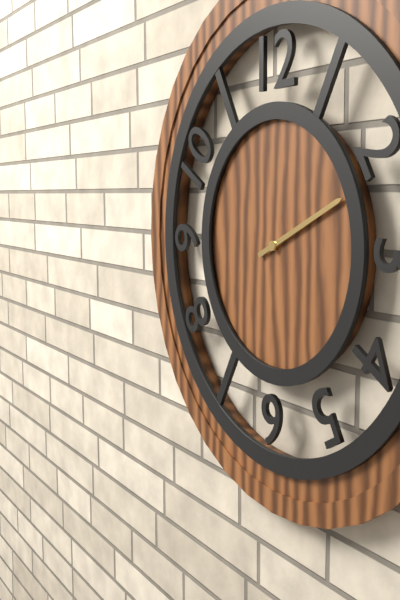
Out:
h=2 m=11
